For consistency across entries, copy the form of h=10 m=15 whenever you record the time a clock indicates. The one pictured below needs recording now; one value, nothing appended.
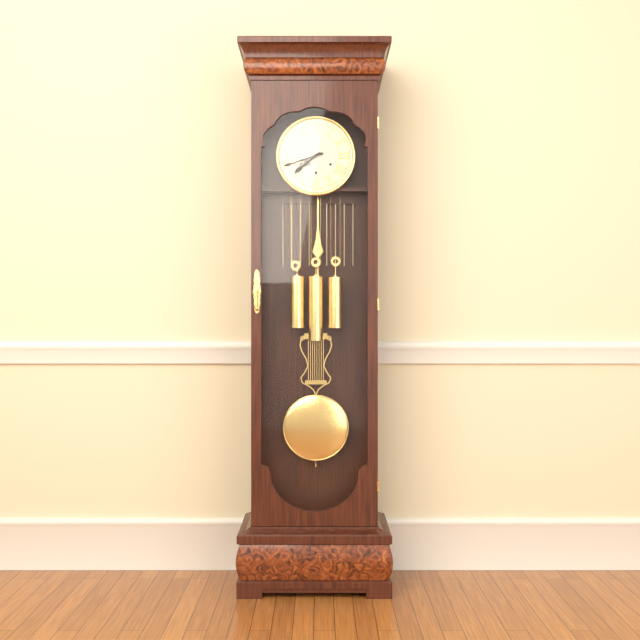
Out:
h=7 m=42
